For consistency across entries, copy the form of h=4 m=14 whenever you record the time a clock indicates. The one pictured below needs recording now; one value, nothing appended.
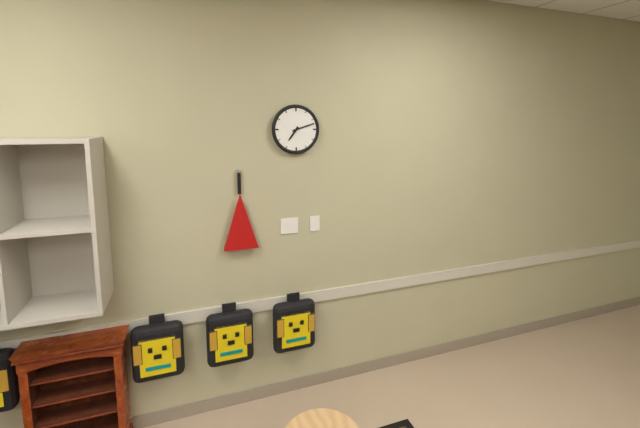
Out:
h=7 m=12
